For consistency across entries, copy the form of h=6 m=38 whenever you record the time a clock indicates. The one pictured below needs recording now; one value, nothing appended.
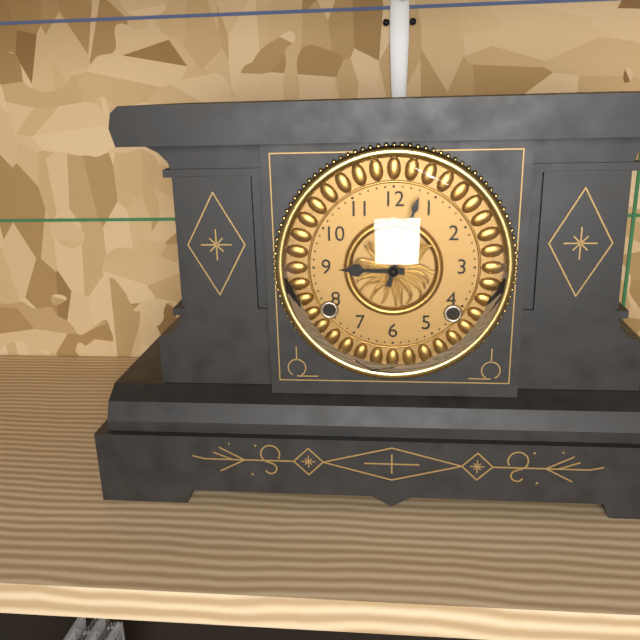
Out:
h=9 m=3
